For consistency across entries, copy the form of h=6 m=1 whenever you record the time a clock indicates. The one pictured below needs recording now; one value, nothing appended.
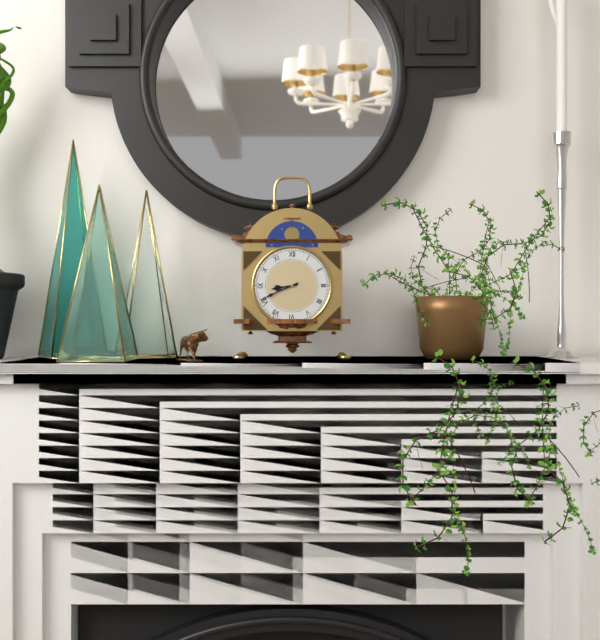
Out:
h=8 m=41
